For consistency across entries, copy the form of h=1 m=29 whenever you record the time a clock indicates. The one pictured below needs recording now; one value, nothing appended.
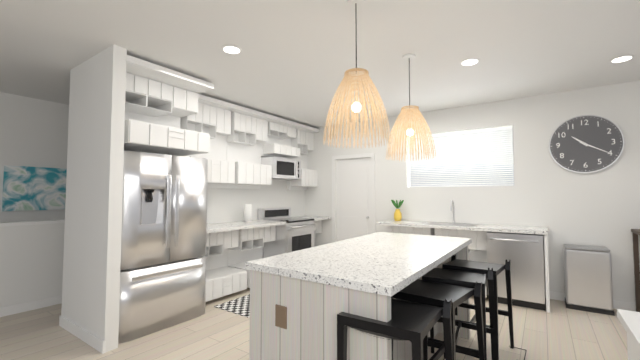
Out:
h=10 m=20
